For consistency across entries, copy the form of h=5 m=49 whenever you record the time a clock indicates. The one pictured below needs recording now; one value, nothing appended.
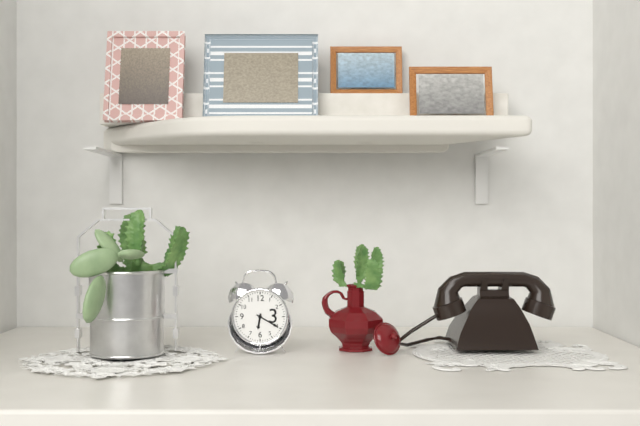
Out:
h=6 m=20
